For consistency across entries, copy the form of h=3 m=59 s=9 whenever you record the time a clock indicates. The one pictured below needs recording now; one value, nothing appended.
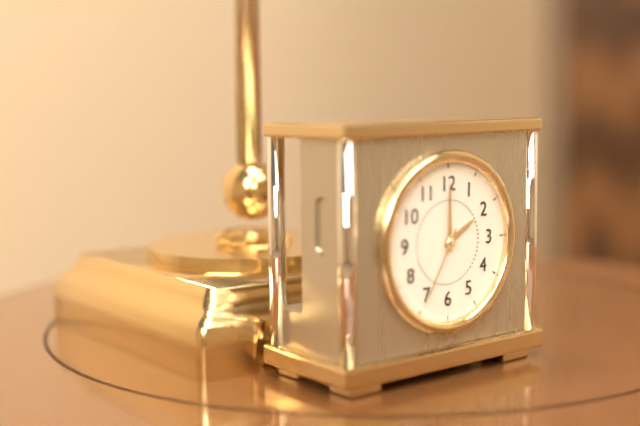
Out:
h=2 m=0 s=35
